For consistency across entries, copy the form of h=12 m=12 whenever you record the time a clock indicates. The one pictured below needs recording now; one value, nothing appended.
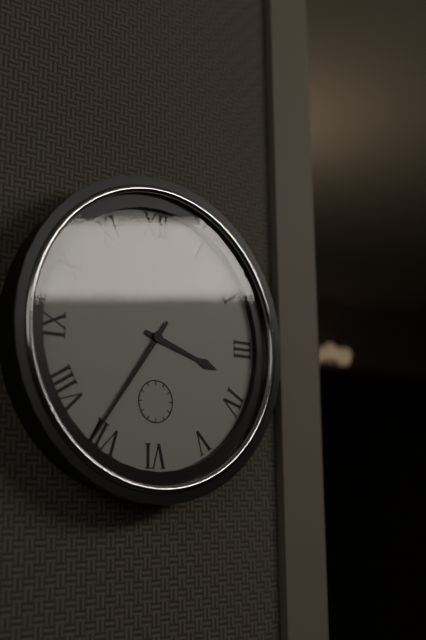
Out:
h=3 m=36
